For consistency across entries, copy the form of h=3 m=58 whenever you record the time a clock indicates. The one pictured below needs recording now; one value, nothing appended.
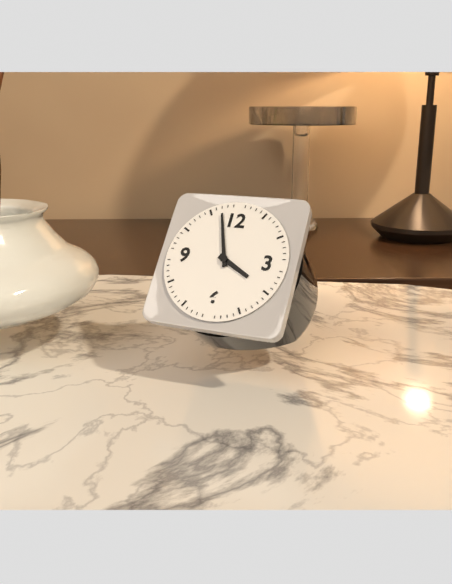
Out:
h=3 m=57
